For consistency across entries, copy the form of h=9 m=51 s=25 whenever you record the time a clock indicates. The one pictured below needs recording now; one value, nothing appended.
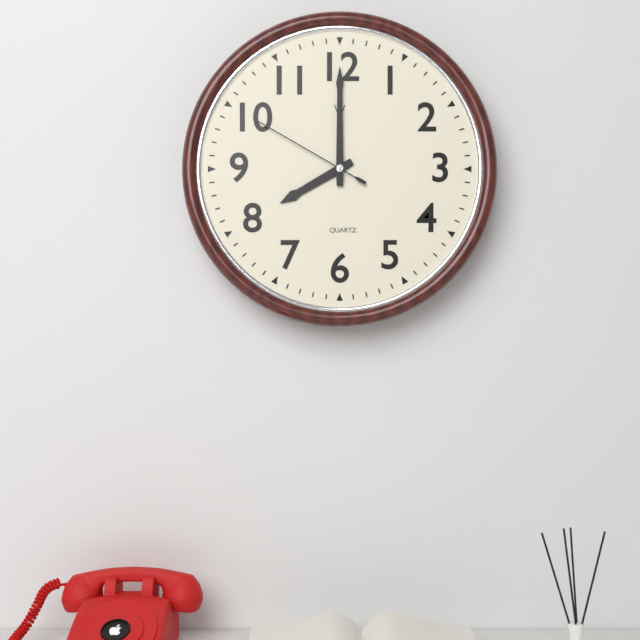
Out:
h=8 m=0 s=50
